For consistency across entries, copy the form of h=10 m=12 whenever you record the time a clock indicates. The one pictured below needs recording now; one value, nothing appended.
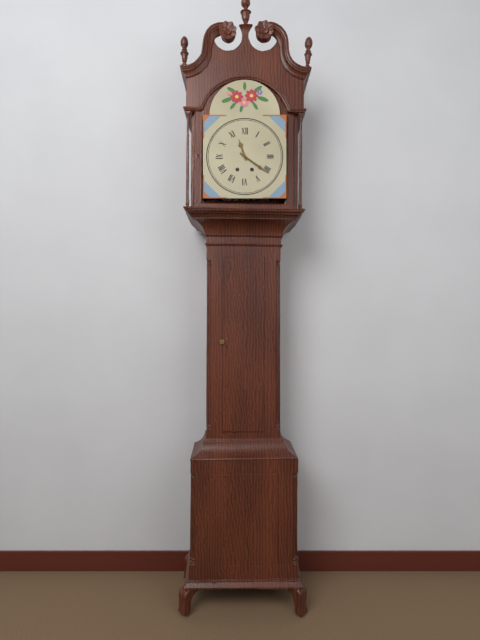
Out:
h=11 m=21
